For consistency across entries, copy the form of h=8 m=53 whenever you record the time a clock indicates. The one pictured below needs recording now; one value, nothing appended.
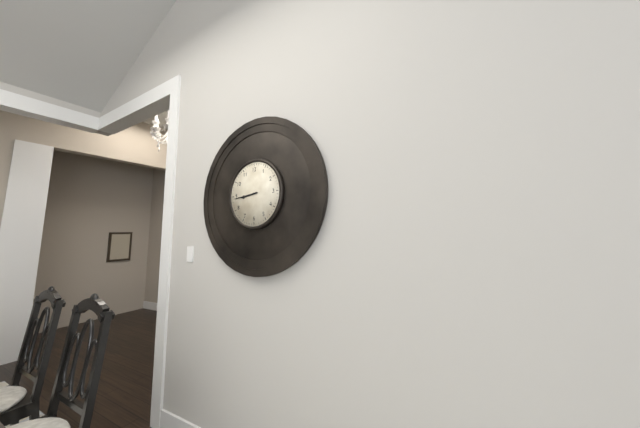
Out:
h=8 m=44
